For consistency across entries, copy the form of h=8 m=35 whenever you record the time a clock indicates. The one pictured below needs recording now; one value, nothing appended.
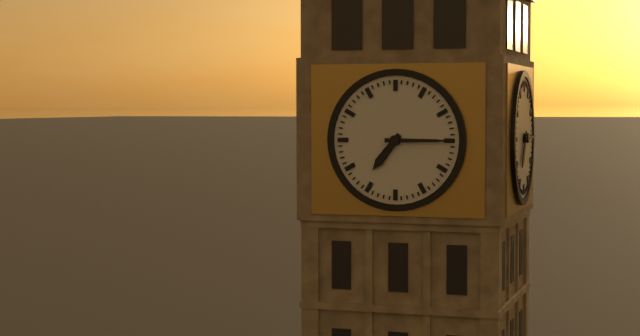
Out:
h=7 m=15
